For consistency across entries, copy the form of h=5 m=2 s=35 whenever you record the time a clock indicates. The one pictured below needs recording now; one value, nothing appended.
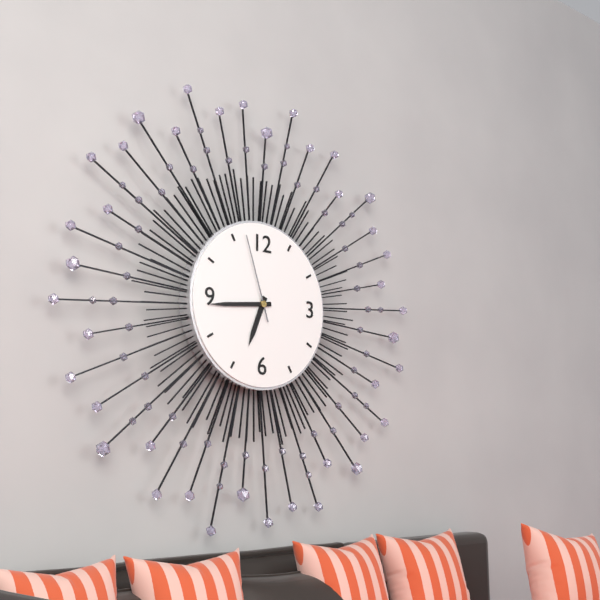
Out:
h=6 m=44 s=57
